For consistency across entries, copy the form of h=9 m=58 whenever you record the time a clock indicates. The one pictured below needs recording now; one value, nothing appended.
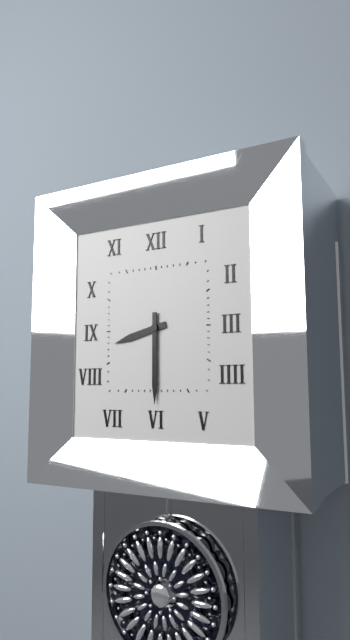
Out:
h=8 m=30
